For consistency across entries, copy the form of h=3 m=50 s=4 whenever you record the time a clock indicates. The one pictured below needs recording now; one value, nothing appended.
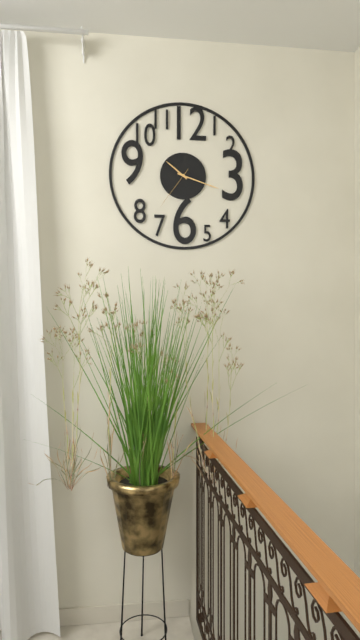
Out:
h=10 m=18 s=36
